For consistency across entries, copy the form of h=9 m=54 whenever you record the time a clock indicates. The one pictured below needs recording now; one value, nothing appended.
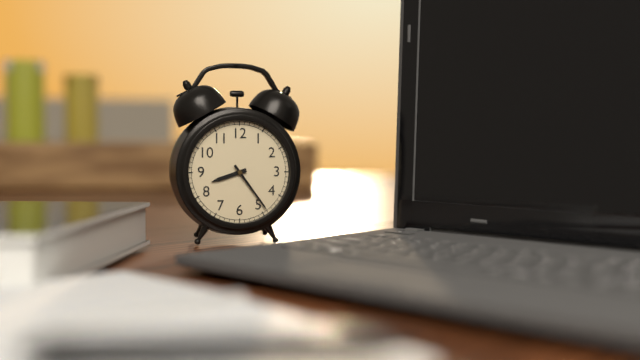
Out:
h=8 m=24
